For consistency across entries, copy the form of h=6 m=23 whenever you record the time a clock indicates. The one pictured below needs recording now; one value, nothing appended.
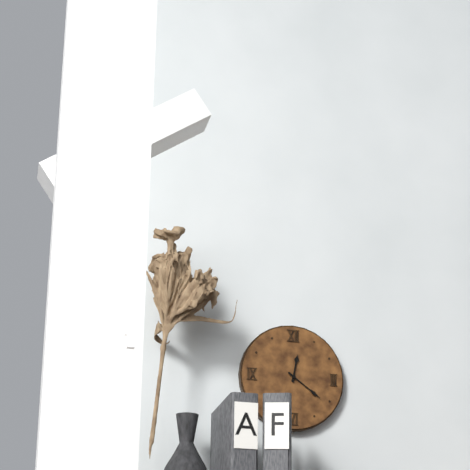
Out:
h=12 m=21
